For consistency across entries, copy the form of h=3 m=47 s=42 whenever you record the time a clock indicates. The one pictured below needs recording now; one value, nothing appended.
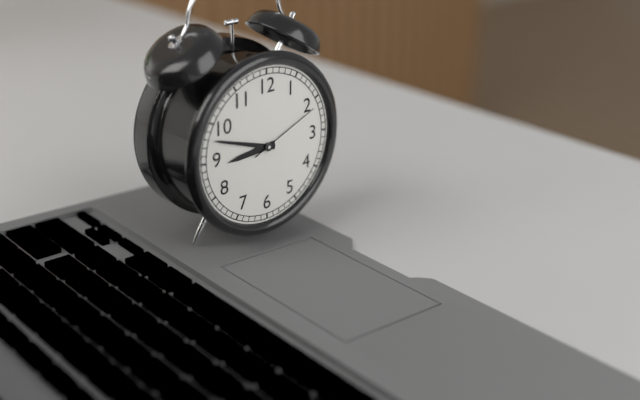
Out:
h=8 m=48 s=11
